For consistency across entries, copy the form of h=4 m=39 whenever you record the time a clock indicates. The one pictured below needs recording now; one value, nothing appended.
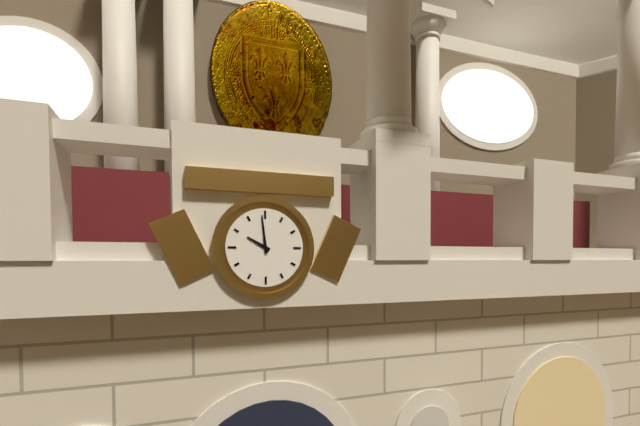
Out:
h=9 m=59
